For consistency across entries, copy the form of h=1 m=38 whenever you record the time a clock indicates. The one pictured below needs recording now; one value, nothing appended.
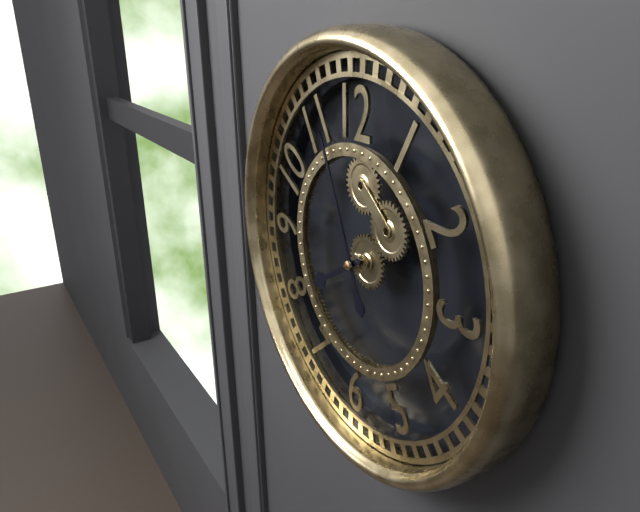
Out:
h=7 m=56
